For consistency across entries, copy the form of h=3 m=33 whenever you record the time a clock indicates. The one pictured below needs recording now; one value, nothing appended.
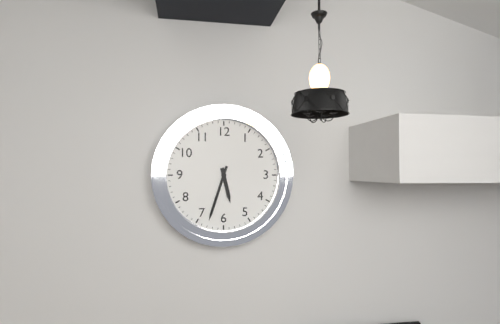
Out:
h=5 m=33
